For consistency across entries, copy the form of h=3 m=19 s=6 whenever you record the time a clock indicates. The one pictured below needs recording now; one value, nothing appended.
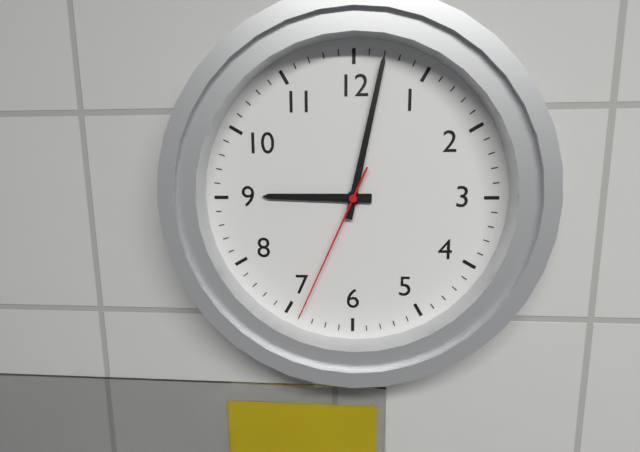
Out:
h=9 m=2 s=34
